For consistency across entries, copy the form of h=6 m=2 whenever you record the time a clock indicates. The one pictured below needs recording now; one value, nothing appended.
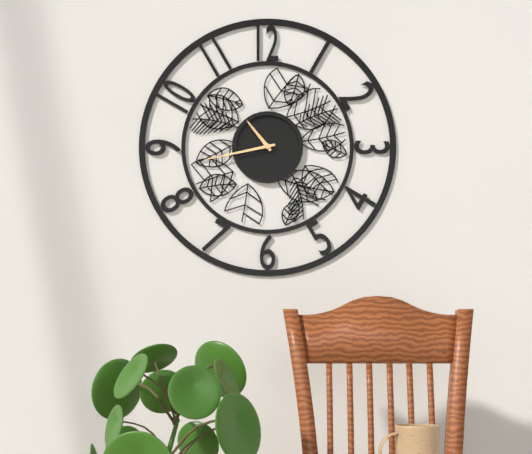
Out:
h=10 m=43
